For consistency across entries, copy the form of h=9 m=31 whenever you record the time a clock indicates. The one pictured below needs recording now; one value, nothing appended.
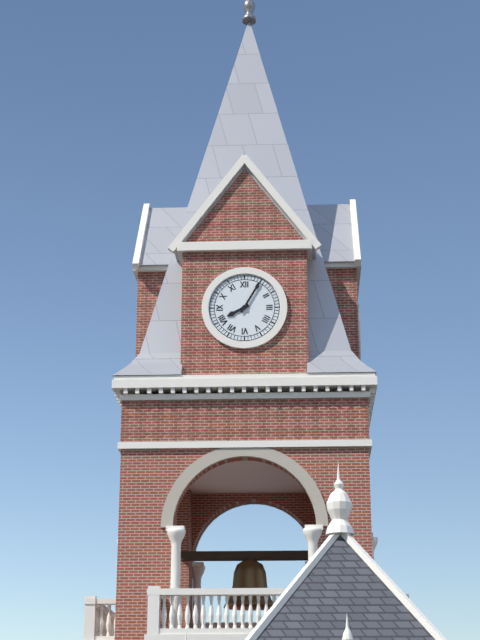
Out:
h=8 m=5
